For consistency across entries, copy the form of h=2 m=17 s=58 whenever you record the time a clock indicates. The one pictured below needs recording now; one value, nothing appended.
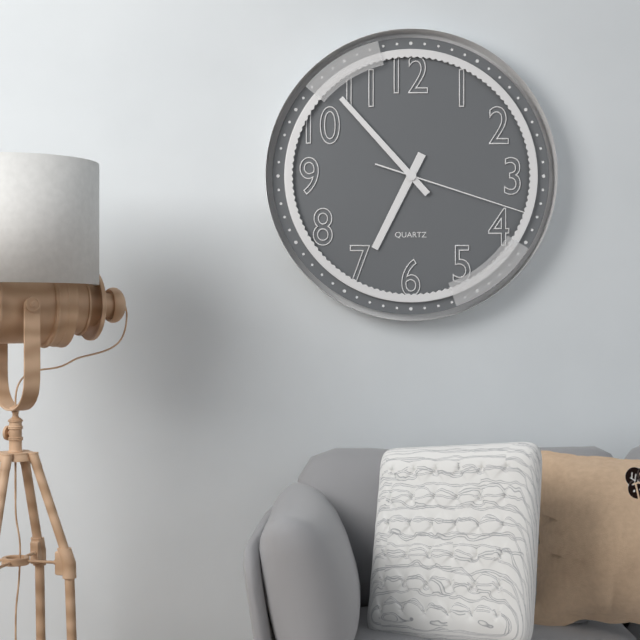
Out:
h=6 m=53 s=18
